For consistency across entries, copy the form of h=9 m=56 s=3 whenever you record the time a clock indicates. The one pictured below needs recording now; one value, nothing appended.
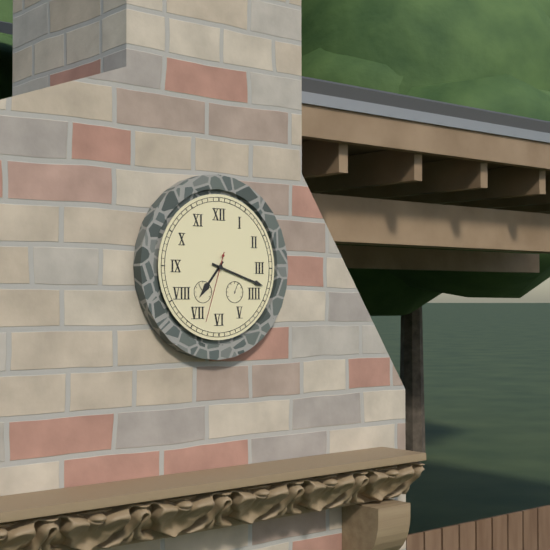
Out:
h=7 m=18 s=33
